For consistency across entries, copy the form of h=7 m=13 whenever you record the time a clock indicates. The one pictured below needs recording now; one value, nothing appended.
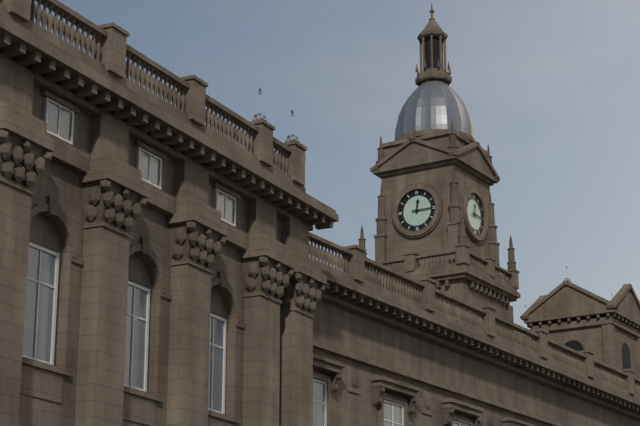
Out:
h=12 m=15
